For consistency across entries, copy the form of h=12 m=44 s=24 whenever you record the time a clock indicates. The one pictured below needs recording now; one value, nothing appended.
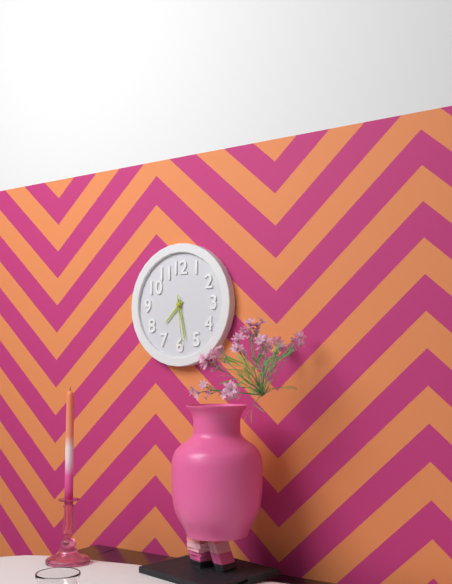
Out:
h=7 m=28 s=29
